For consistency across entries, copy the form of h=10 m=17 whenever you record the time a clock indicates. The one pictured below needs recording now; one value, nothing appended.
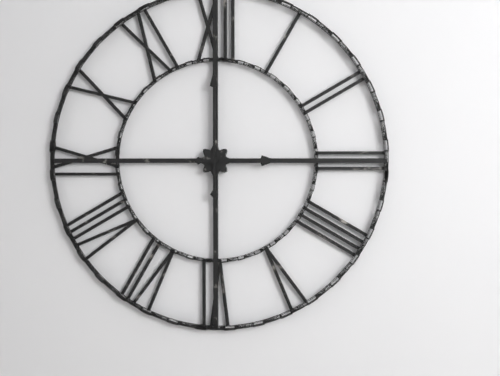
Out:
h=3 m=0
